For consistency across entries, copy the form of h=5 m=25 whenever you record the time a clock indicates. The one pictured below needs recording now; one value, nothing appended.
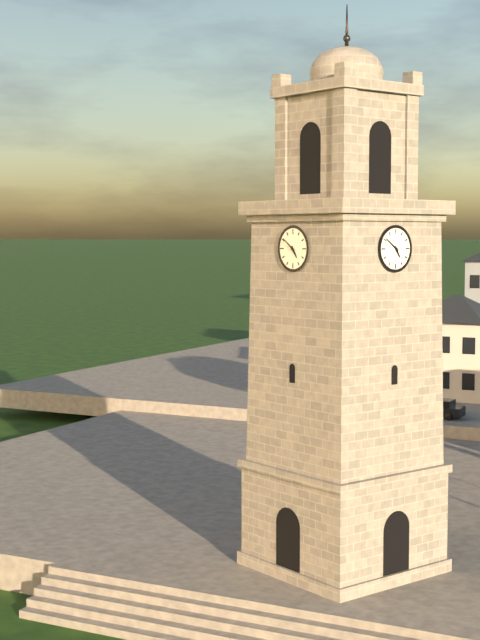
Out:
h=4 m=51
